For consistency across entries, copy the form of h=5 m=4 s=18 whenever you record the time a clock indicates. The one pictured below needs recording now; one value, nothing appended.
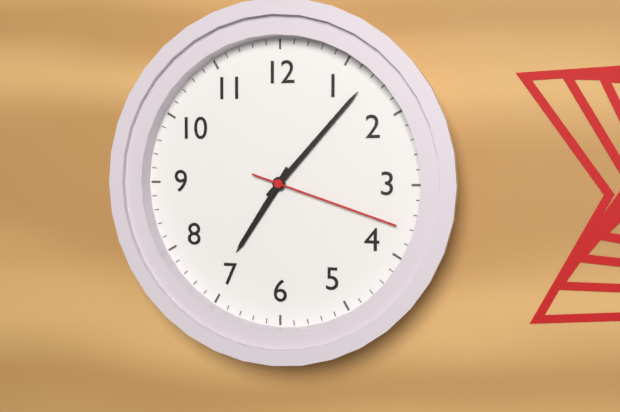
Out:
h=7 m=7 s=18
